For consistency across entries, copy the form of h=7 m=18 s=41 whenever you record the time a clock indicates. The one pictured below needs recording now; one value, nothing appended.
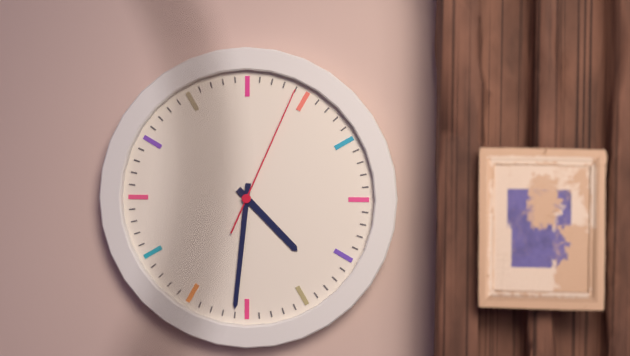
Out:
h=4 m=31 s=4
